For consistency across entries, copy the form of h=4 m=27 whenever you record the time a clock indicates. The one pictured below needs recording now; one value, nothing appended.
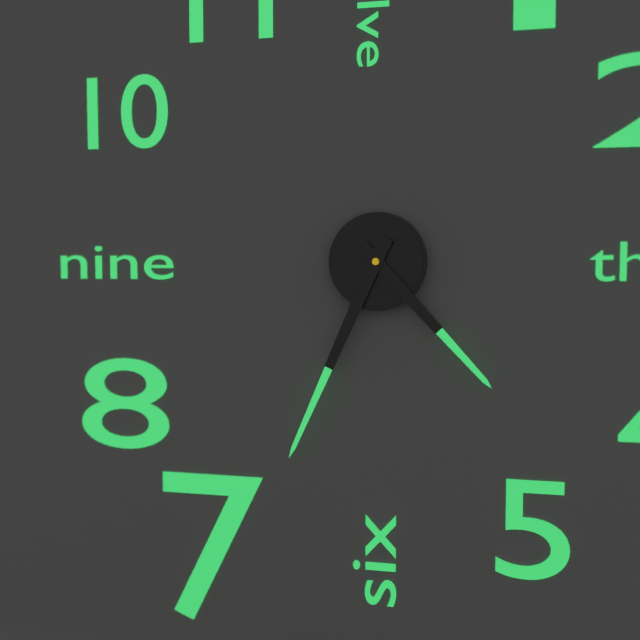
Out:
h=4 m=34
